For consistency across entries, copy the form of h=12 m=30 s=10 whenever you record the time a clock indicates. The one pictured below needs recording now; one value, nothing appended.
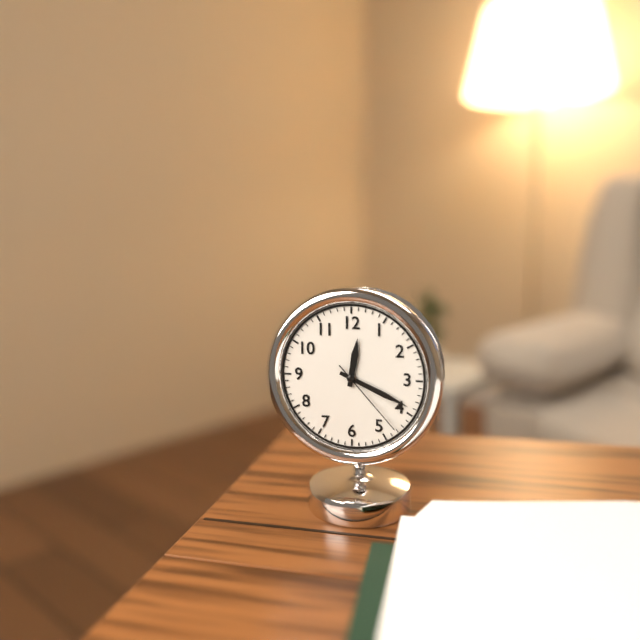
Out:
h=12 m=19 s=23
